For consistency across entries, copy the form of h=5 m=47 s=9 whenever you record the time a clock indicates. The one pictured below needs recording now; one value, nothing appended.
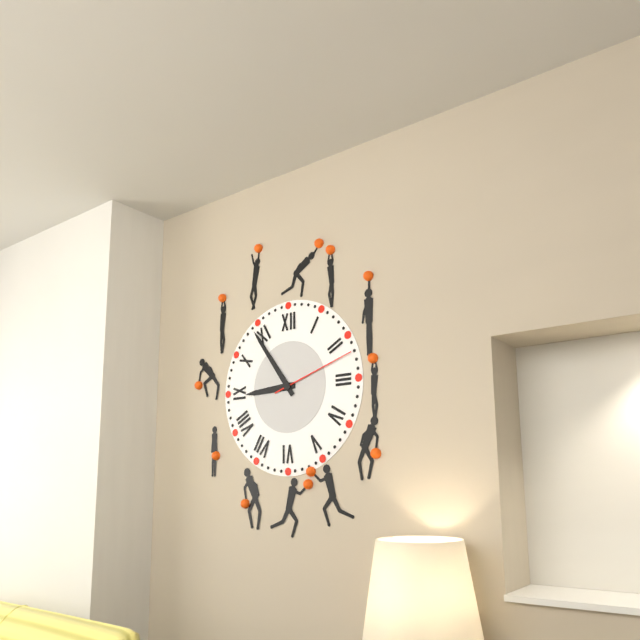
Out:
h=8 m=54 s=12
